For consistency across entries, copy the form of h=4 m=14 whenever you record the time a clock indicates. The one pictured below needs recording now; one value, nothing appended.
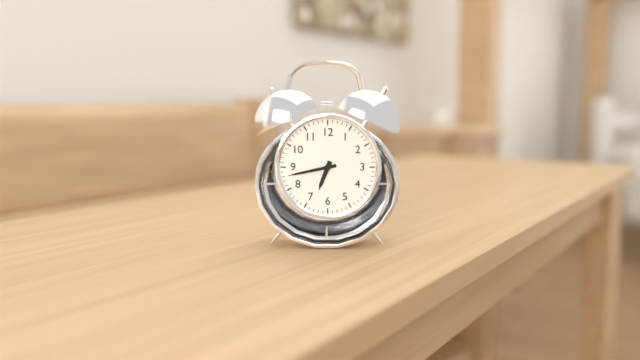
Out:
h=6 m=43
